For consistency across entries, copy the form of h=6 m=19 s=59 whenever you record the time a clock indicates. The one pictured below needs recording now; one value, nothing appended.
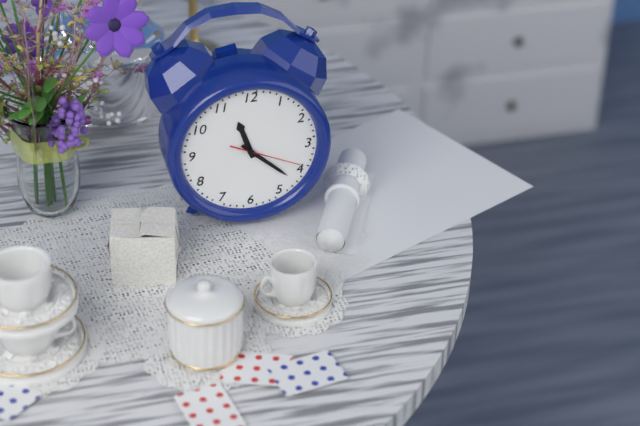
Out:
h=11 m=22 s=19
